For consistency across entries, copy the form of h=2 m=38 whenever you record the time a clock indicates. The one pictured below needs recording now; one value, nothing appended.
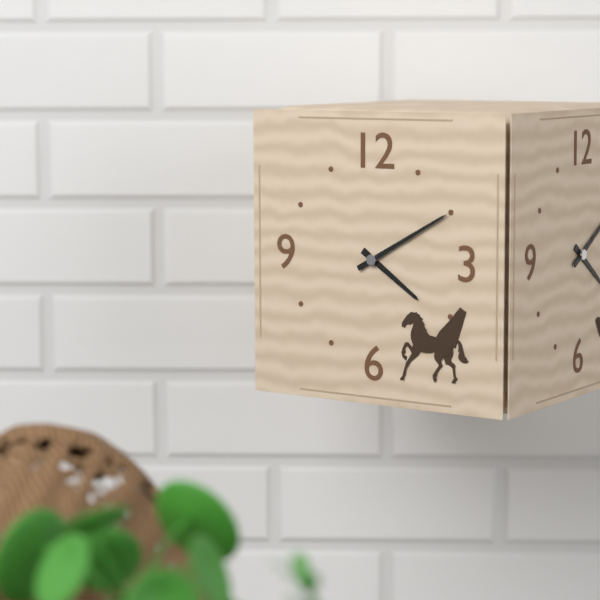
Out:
h=4 m=10
